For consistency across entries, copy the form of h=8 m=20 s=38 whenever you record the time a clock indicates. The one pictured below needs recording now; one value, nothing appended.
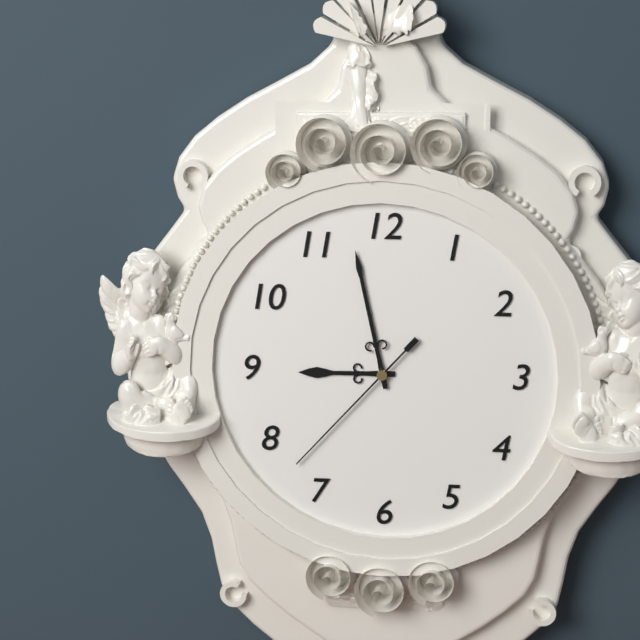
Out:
h=8 m=58 s=37
